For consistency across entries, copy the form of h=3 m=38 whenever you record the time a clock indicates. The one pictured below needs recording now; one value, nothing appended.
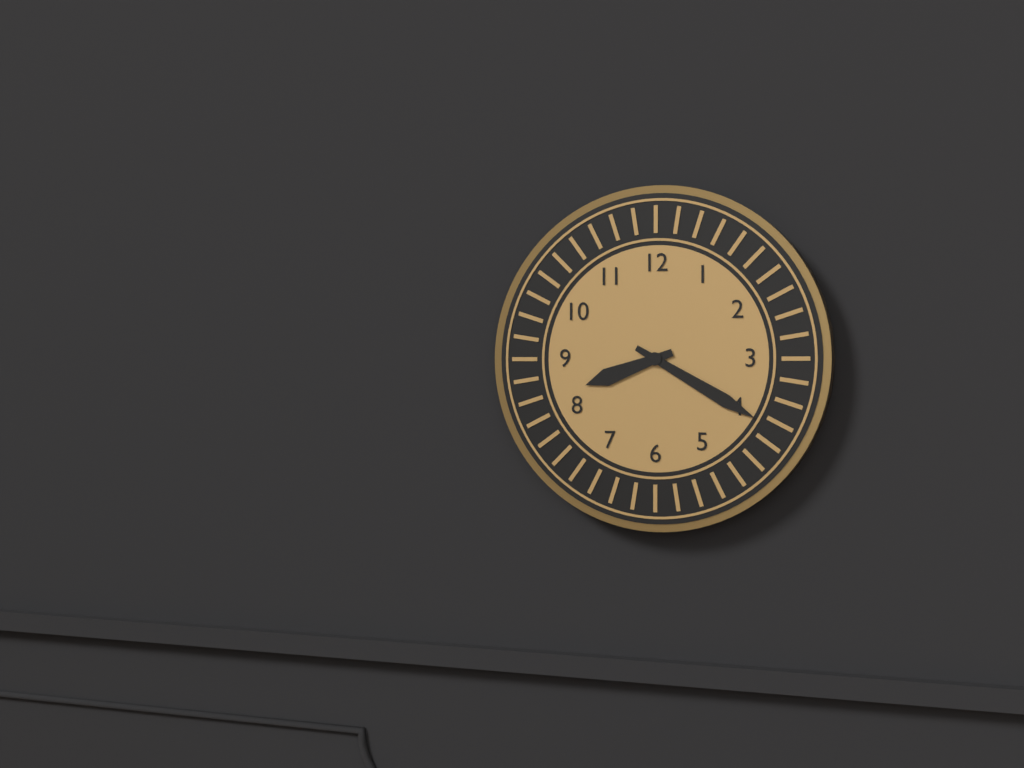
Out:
h=8 m=20
